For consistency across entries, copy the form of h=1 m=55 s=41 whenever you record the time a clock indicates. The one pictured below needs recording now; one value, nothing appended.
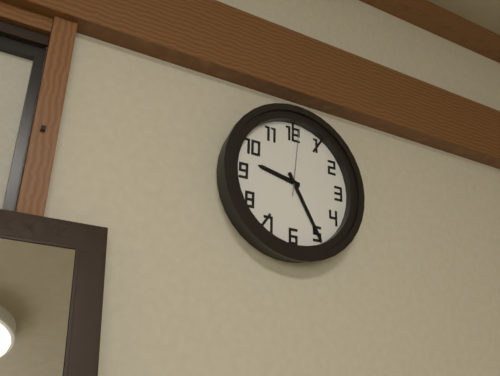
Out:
h=9 m=25 s=1
